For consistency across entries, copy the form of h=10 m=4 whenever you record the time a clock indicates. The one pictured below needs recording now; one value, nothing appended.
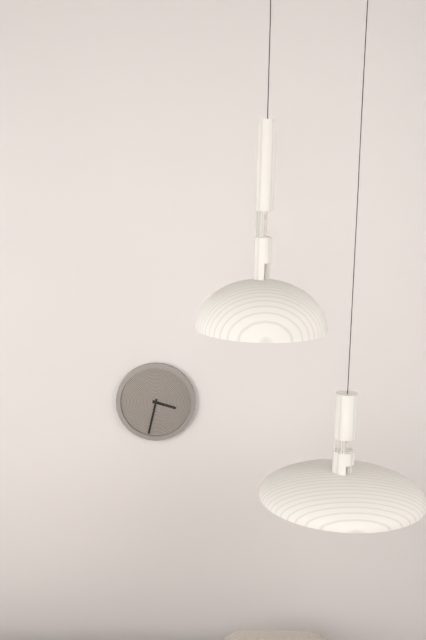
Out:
h=3 m=32
